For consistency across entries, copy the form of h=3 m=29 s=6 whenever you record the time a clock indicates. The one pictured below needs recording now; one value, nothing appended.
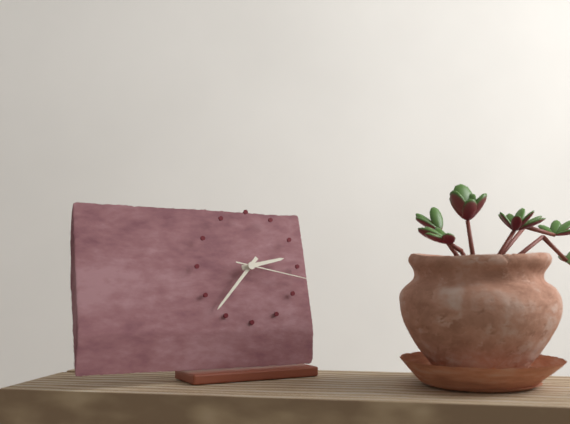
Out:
h=2 m=37 s=17
